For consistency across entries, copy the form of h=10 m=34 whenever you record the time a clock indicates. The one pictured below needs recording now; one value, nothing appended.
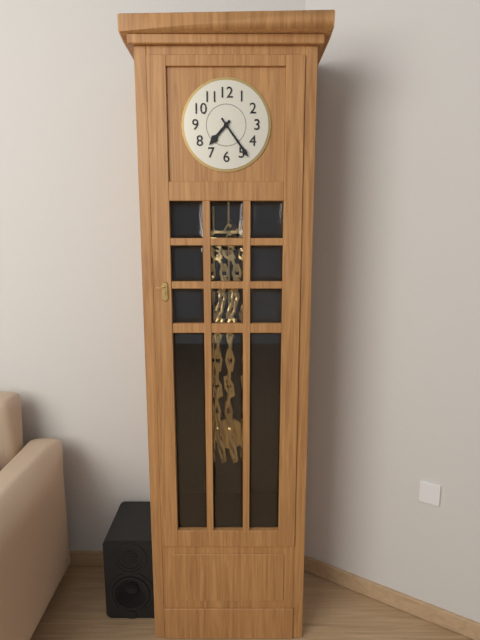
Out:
h=7 m=24
